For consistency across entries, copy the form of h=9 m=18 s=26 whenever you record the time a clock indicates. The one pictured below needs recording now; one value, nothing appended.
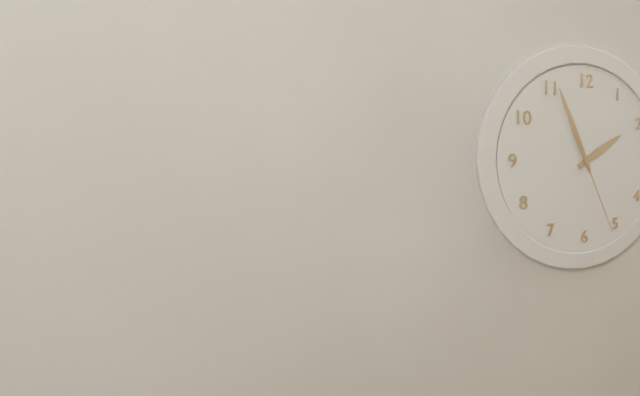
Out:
h=1 m=56 s=26
